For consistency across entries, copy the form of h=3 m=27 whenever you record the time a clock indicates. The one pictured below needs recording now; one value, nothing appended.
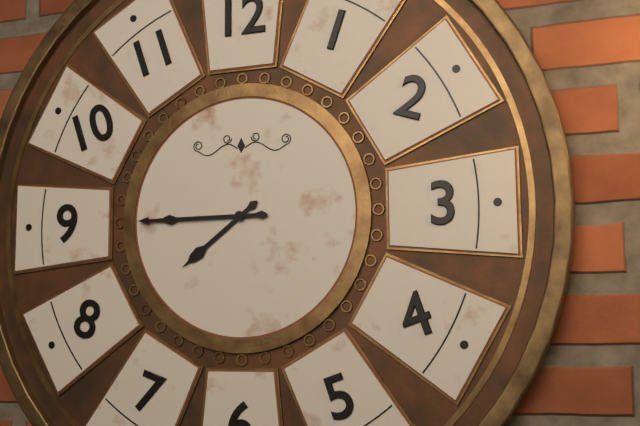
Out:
h=7 m=45
